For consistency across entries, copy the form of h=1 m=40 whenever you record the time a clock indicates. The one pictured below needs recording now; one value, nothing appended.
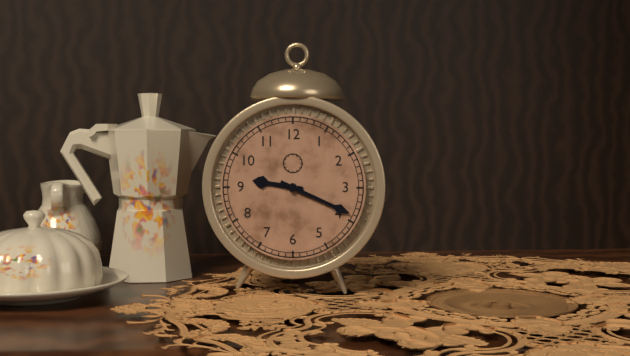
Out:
h=9 m=19
